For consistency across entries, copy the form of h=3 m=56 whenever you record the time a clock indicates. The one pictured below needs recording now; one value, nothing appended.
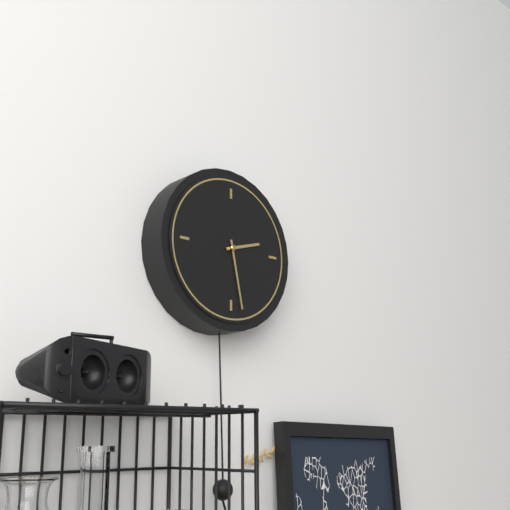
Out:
h=2 m=28
